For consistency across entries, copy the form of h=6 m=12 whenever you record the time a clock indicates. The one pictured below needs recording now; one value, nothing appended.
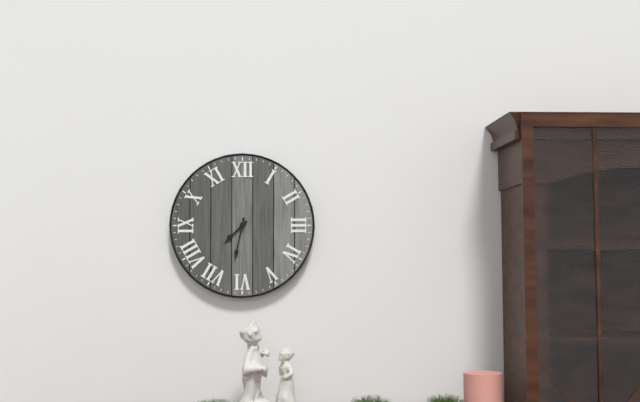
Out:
h=7 m=32
